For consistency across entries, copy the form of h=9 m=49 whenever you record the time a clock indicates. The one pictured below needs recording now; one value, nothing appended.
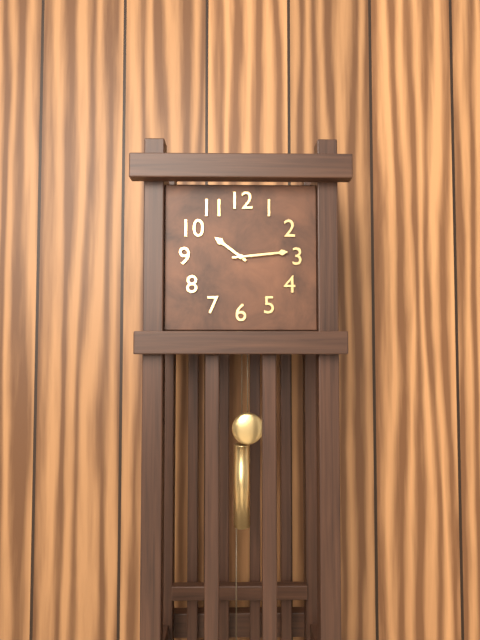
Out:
h=10 m=14
